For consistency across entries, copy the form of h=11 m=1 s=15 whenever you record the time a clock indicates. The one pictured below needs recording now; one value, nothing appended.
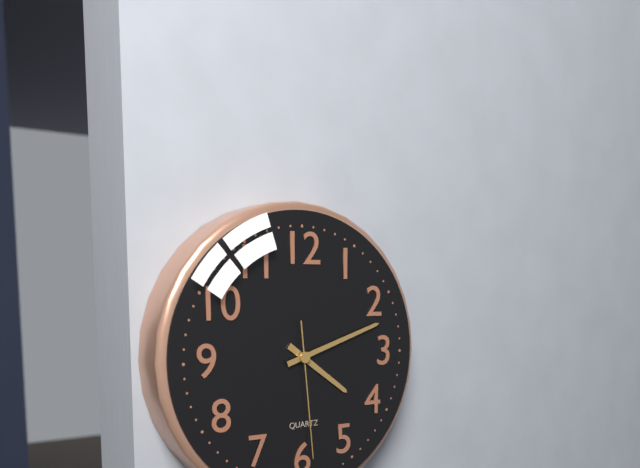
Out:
h=4 m=12 s=29
